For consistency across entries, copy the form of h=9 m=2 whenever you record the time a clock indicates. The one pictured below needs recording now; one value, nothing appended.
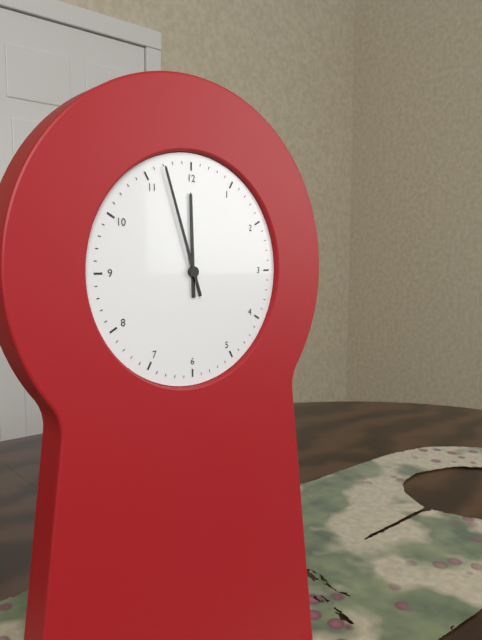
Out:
h=11 m=57
